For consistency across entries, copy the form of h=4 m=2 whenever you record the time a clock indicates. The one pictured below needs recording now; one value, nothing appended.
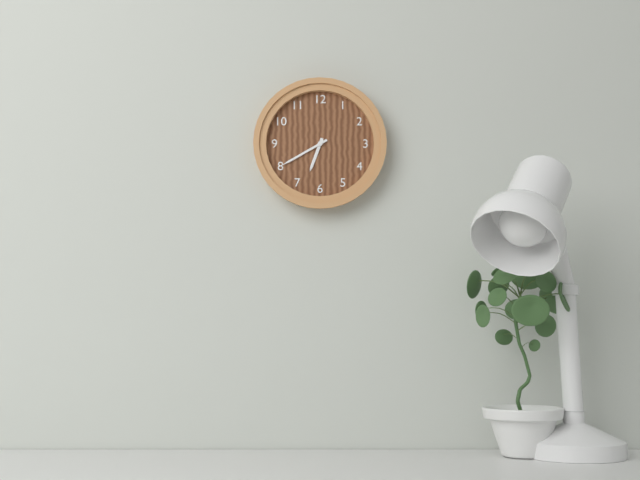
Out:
h=6 m=40
